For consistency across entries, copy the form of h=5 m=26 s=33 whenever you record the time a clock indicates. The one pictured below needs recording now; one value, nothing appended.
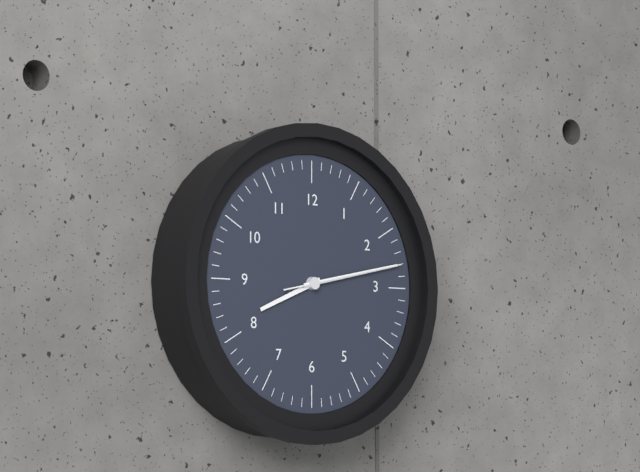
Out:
h=8 m=13 s=13
